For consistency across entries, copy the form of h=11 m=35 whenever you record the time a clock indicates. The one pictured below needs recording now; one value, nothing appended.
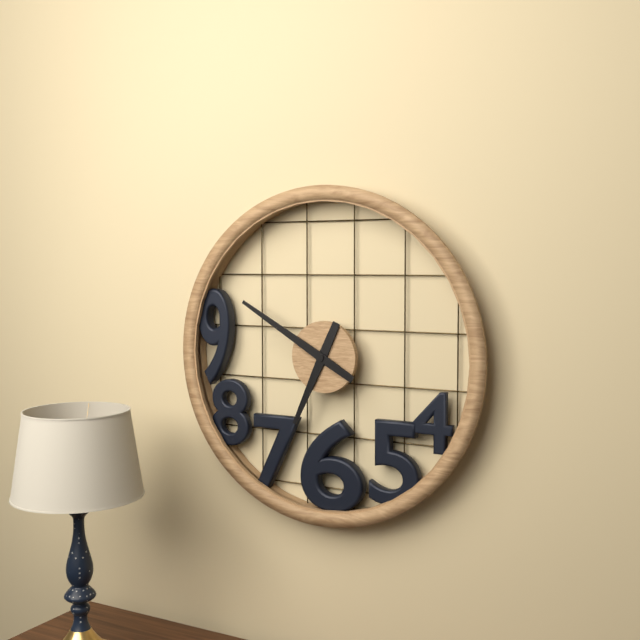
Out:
h=6 m=50
